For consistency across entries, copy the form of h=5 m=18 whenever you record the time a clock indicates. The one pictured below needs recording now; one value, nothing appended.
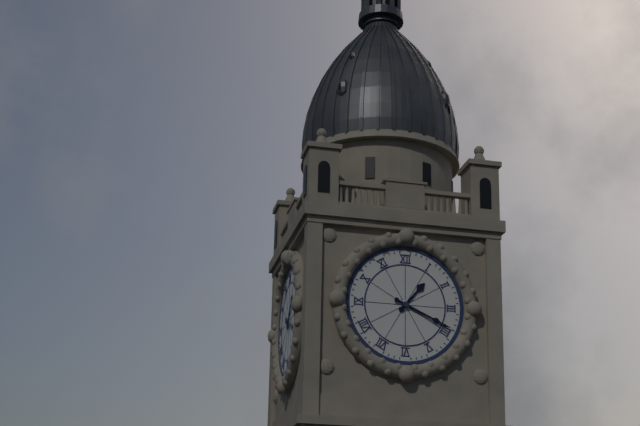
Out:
h=1 m=19
